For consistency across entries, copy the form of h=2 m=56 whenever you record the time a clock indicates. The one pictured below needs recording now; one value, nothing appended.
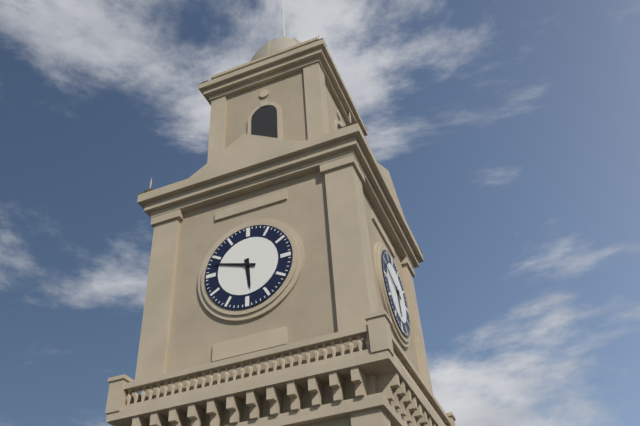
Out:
h=5 m=48
